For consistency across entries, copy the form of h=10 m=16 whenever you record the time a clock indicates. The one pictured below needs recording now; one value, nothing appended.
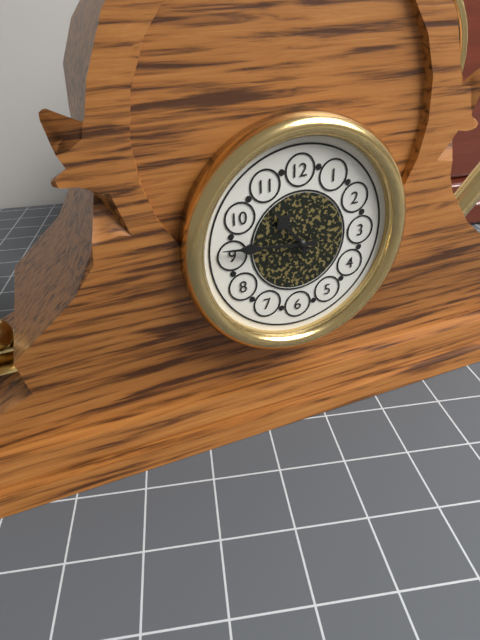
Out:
h=10 m=46
